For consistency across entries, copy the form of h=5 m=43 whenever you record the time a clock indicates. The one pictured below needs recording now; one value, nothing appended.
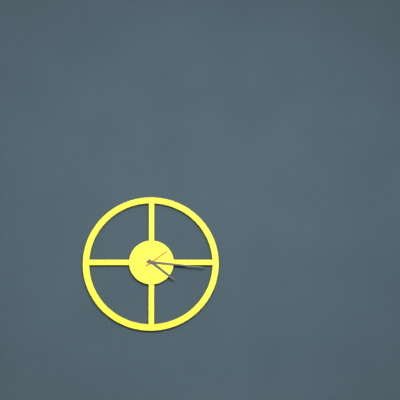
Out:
h=4 m=16
